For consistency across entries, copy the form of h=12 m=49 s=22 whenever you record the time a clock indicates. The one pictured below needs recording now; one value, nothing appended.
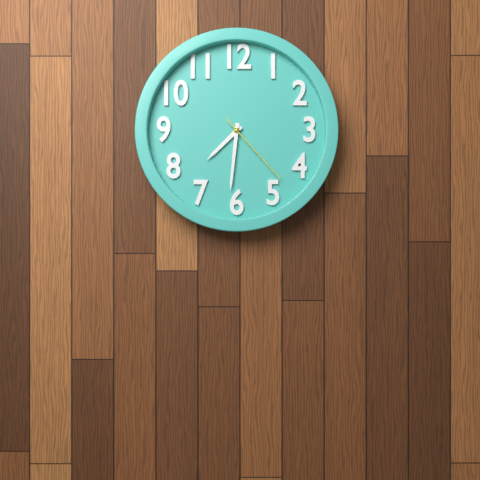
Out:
h=7 m=31 s=23
